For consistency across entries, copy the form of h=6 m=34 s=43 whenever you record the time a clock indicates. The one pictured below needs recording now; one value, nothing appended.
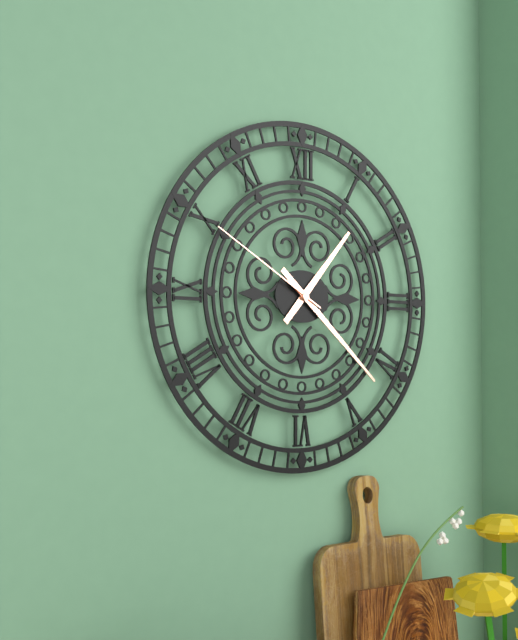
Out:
h=1 m=22 s=50
